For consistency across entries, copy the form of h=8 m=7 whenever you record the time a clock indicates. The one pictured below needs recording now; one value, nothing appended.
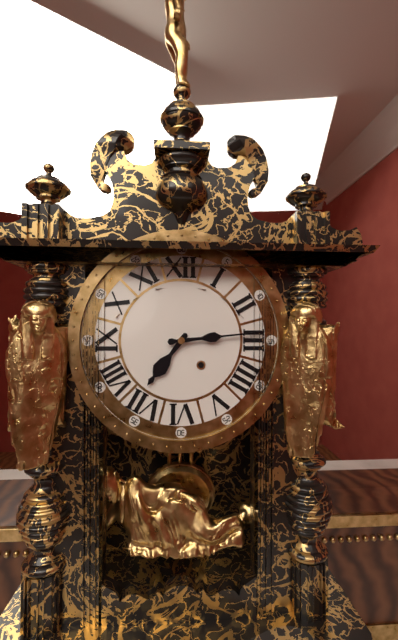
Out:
h=7 m=14
